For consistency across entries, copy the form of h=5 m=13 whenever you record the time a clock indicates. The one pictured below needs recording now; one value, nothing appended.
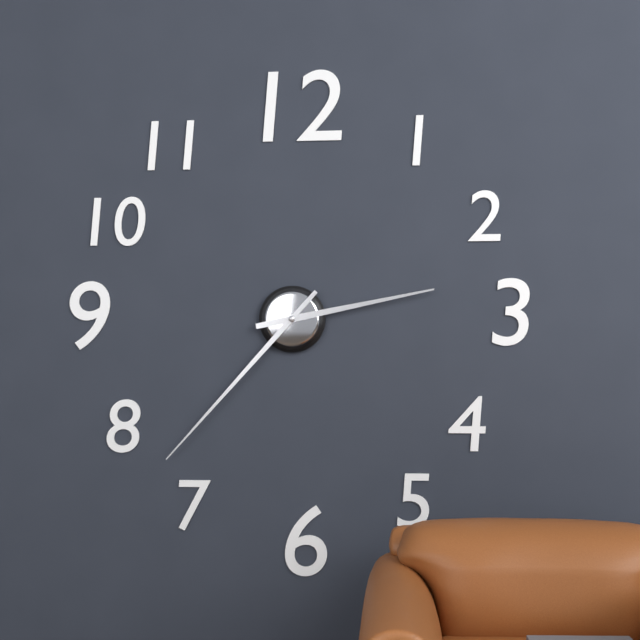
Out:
h=2 m=37
